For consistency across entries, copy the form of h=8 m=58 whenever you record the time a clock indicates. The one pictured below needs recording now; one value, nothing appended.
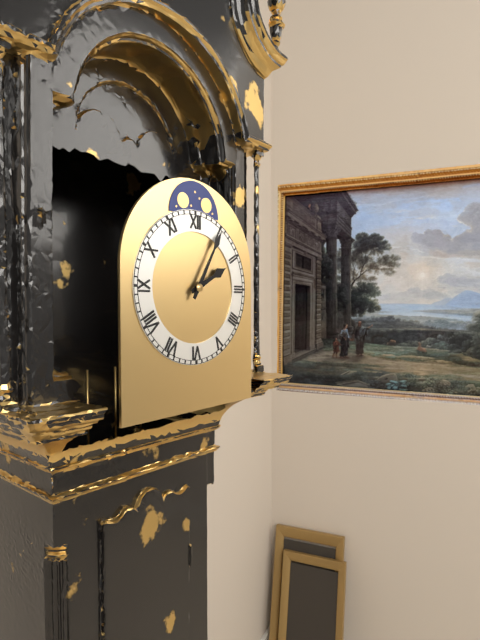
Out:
h=2 m=5
